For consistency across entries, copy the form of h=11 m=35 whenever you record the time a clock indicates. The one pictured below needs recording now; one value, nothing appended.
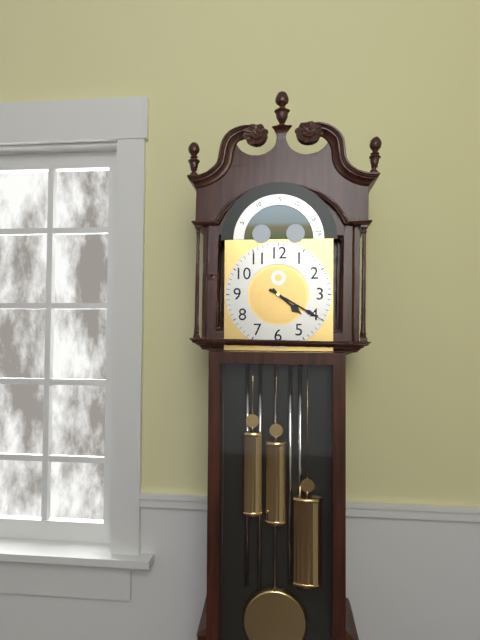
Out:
h=4 m=20
